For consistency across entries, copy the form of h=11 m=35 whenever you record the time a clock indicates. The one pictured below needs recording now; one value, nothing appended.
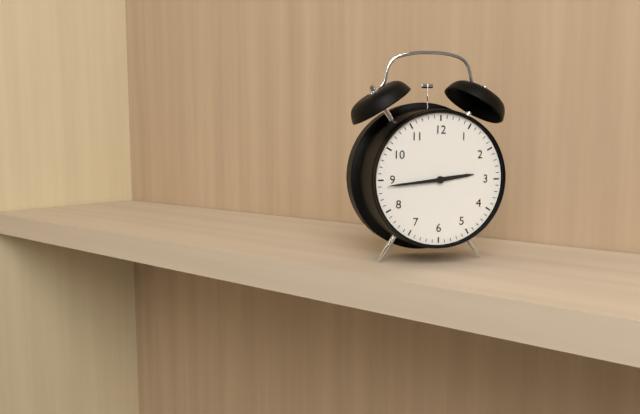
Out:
h=2 m=44
